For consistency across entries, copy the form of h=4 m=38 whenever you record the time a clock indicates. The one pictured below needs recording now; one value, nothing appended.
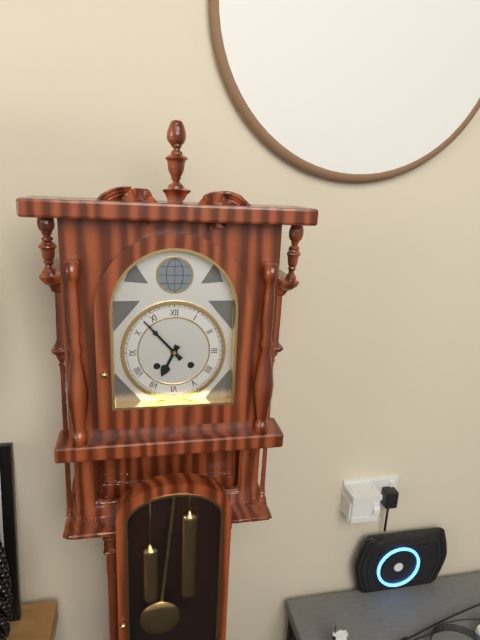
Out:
h=6 m=53
